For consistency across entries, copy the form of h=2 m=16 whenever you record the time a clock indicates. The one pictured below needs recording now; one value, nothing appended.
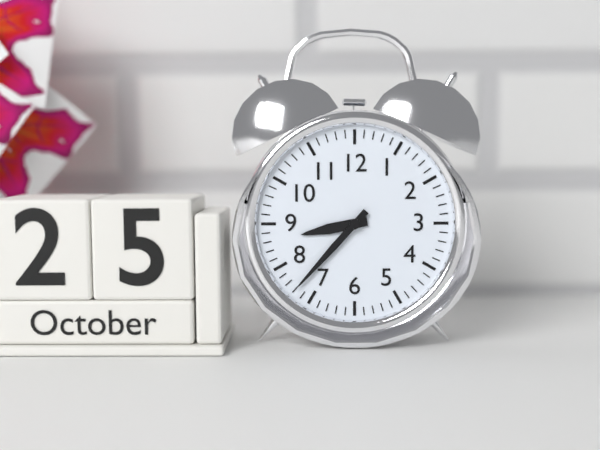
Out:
h=8 m=37
